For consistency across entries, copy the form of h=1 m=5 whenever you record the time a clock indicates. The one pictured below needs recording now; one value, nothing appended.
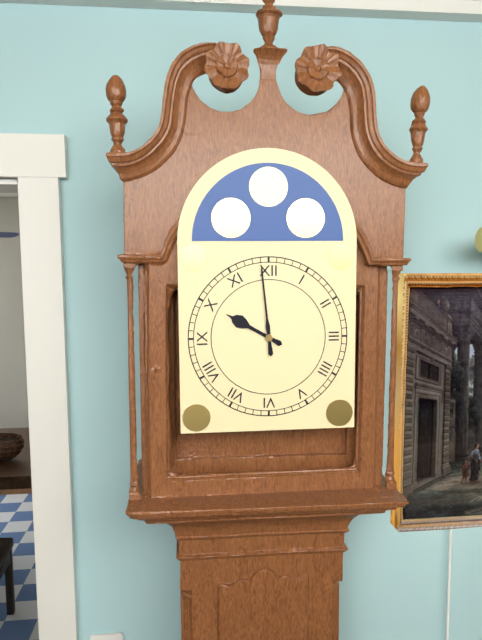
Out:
h=9 m=59
